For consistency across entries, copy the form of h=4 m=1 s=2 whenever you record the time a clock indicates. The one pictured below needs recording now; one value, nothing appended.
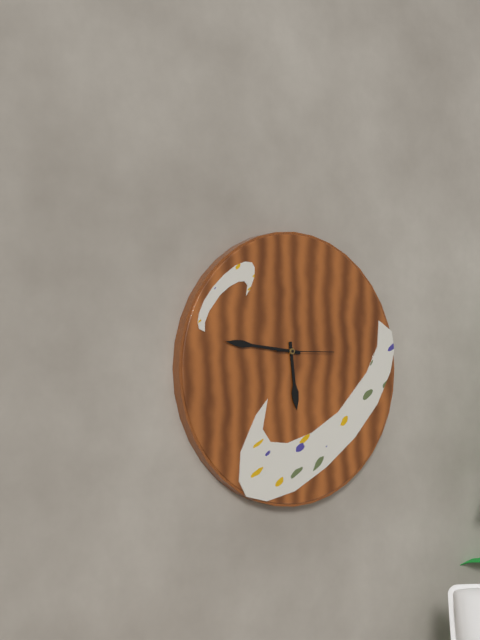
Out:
h=5 m=46 s=15
